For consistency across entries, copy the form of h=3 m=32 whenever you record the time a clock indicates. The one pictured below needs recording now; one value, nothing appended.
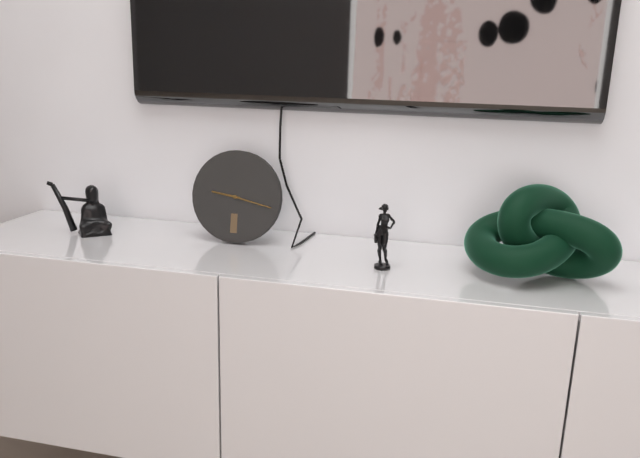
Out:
h=9 m=17
